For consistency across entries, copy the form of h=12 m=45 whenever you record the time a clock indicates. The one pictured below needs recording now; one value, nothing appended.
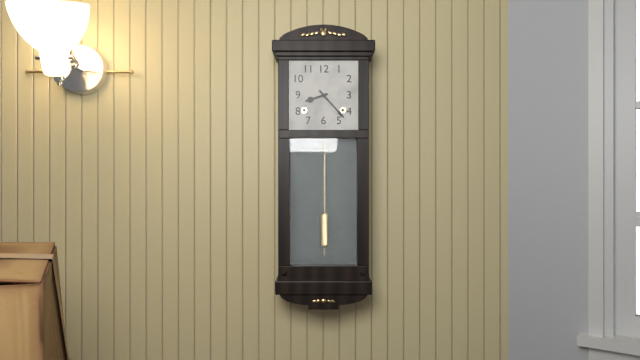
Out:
h=8 m=23
